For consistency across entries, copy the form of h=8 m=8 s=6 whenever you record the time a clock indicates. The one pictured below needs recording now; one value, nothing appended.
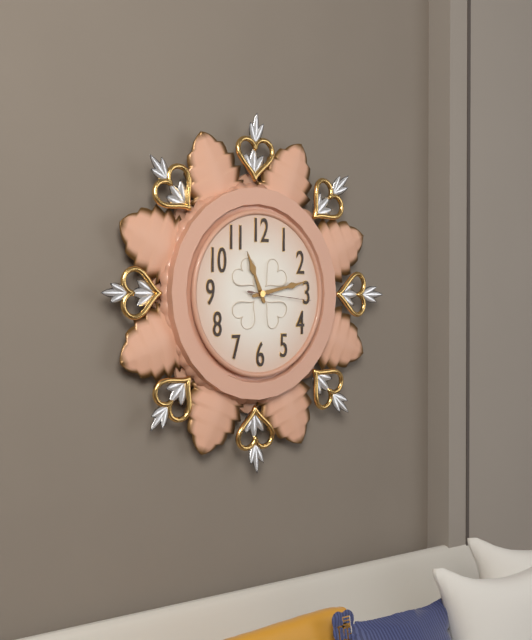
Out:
h=11 m=13 s=16
